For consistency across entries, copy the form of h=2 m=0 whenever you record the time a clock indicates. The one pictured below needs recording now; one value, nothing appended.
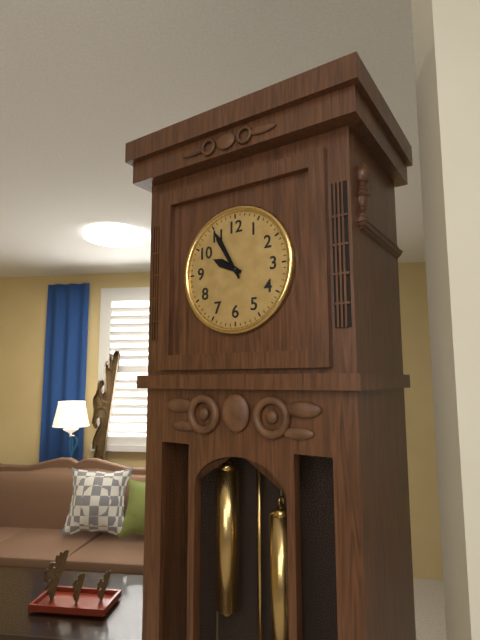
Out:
h=9 m=55
